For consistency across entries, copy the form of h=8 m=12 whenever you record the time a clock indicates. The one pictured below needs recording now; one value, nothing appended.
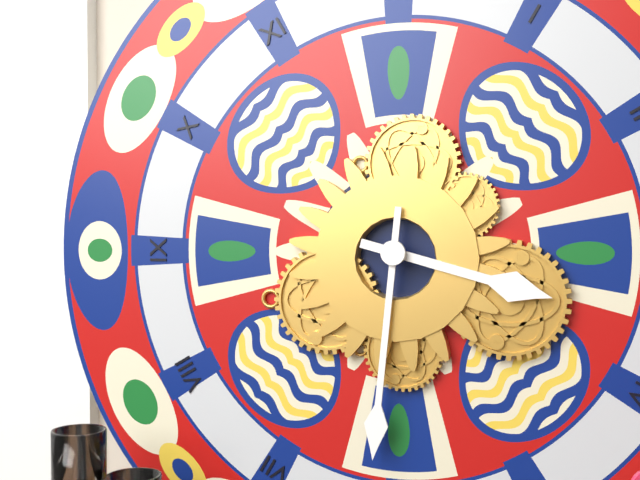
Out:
h=3 m=31
